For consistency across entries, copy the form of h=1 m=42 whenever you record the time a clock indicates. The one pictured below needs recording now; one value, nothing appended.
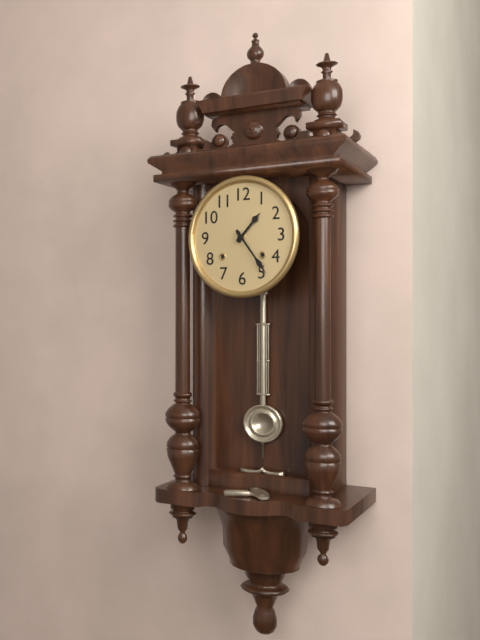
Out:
h=1 m=24
